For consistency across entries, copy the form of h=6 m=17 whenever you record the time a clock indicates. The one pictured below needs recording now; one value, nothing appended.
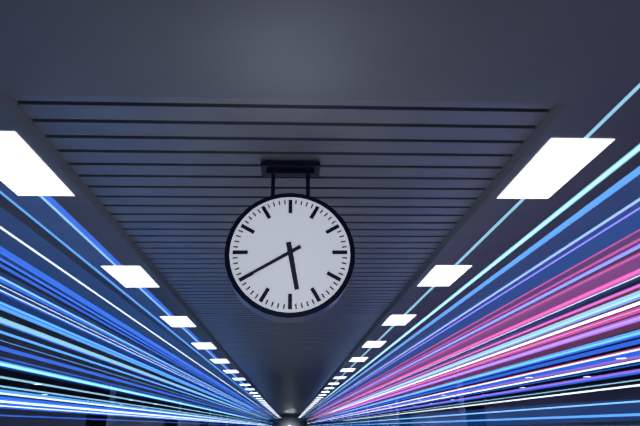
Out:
h=5 m=40
